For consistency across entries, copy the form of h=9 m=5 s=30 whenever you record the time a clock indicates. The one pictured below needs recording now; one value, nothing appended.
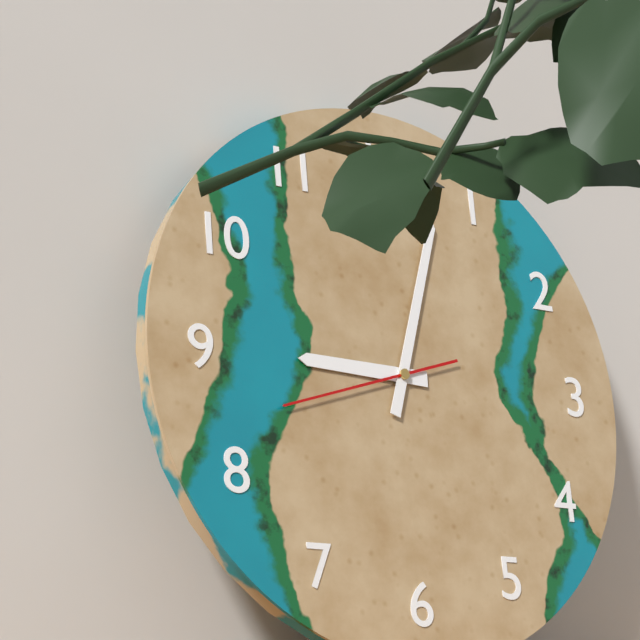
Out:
h=9 m=3 s=42
